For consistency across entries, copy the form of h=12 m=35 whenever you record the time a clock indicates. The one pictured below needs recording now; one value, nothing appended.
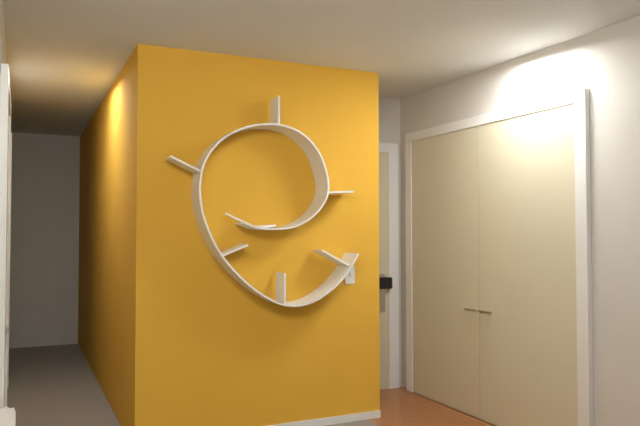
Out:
h=2 m=49
